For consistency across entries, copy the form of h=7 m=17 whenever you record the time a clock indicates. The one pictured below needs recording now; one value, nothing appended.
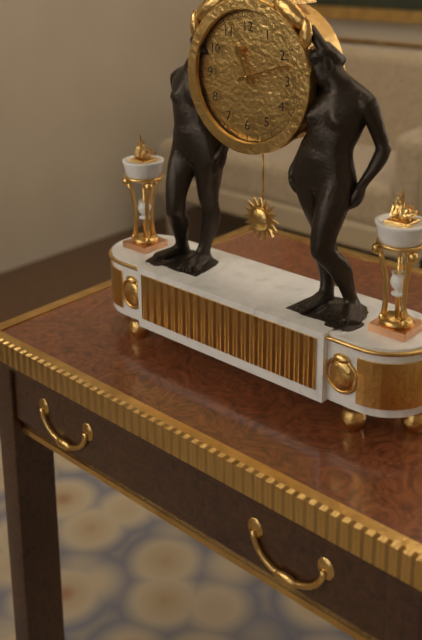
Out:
h=11 m=12
